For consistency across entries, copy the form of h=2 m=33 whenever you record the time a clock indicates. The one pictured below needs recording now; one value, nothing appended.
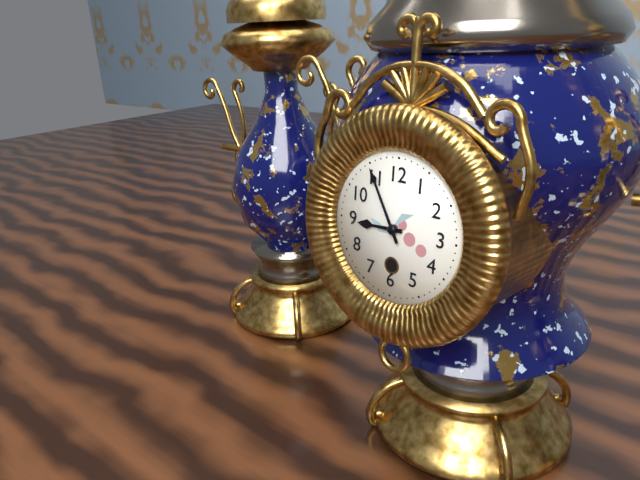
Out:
h=8 m=55
